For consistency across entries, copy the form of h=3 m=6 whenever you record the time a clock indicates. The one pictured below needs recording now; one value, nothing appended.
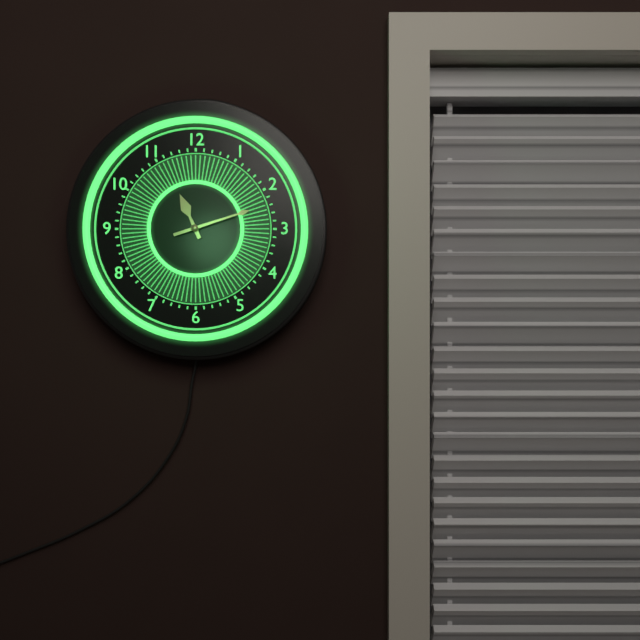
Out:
h=11 m=12
